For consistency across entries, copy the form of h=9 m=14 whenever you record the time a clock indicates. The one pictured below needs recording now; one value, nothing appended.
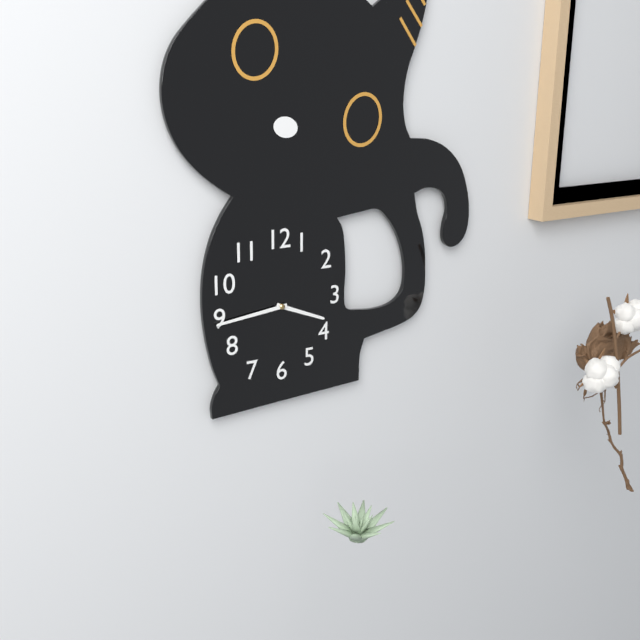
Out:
h=3 m=44
